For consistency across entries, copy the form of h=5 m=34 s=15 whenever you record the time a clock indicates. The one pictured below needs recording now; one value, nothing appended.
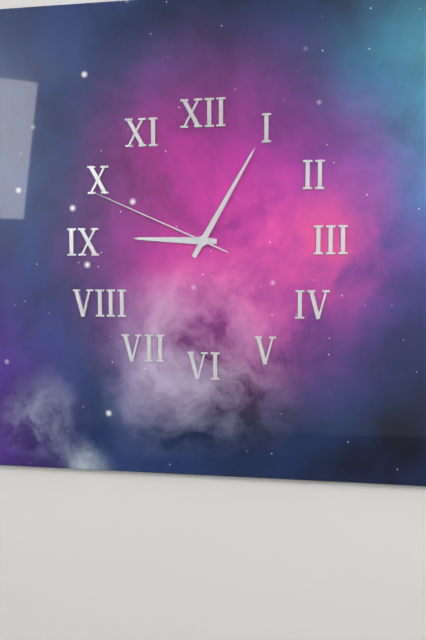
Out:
h=9 m=5 s=49
